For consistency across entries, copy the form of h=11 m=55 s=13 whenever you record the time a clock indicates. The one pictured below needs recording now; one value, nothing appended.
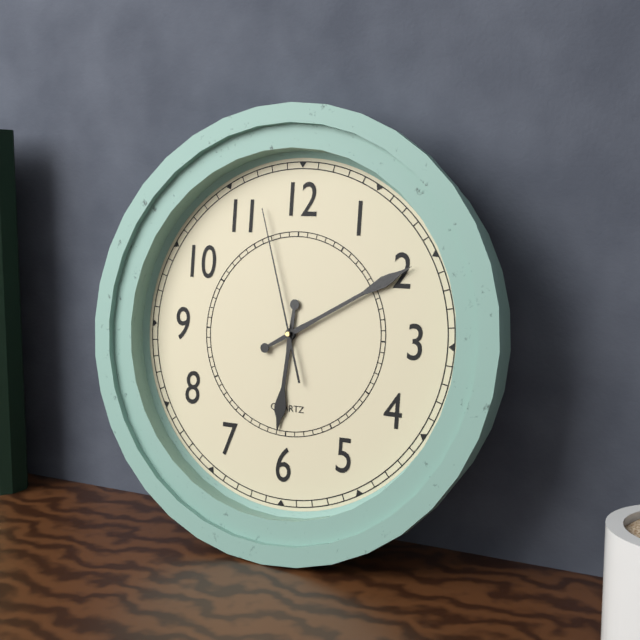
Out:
h=6 m=10 s=57
